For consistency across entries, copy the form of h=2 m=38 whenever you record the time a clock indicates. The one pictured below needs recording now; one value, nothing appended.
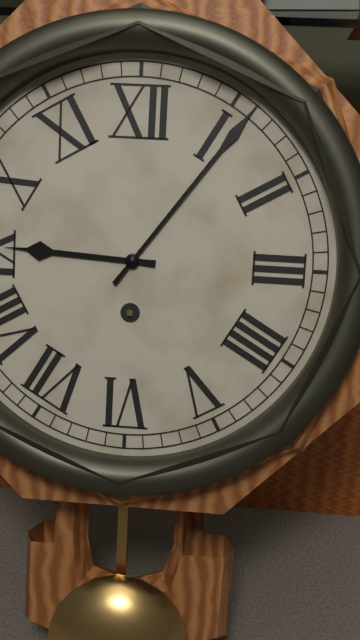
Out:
h=9 m=6
